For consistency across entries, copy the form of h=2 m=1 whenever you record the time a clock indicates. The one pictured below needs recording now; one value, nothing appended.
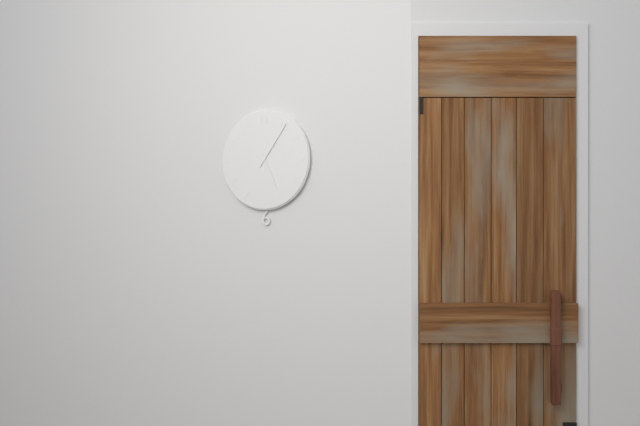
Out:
h=5 m=6
